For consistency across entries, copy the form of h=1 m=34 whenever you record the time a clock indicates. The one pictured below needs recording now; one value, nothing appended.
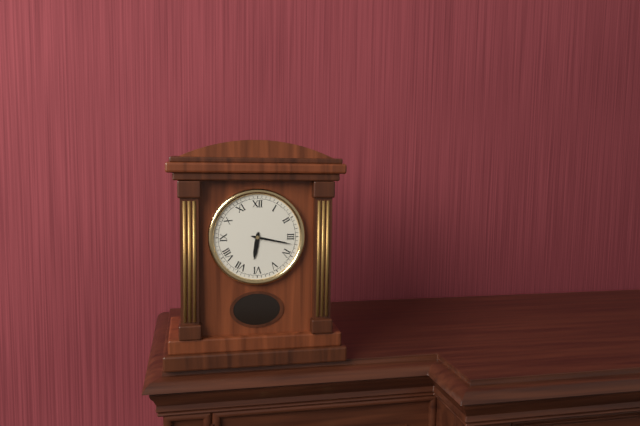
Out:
h=6 m=17
